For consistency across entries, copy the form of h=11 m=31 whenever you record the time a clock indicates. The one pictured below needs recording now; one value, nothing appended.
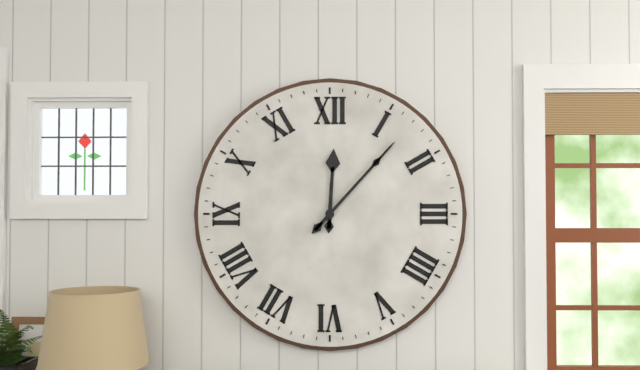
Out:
h=12 m=7
